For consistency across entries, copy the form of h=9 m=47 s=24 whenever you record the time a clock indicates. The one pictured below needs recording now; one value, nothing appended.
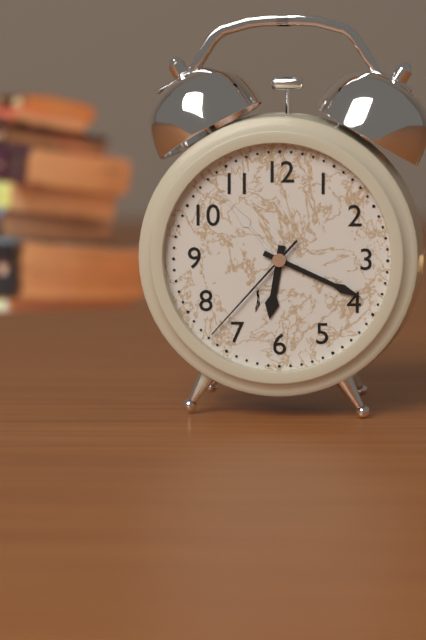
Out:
h=6 m=19 s=37
